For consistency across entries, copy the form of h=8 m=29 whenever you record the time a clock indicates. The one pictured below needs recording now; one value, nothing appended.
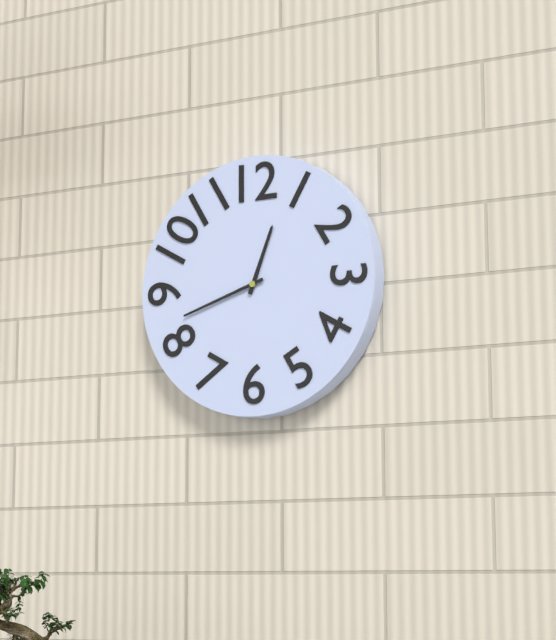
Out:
h=12 m=42
